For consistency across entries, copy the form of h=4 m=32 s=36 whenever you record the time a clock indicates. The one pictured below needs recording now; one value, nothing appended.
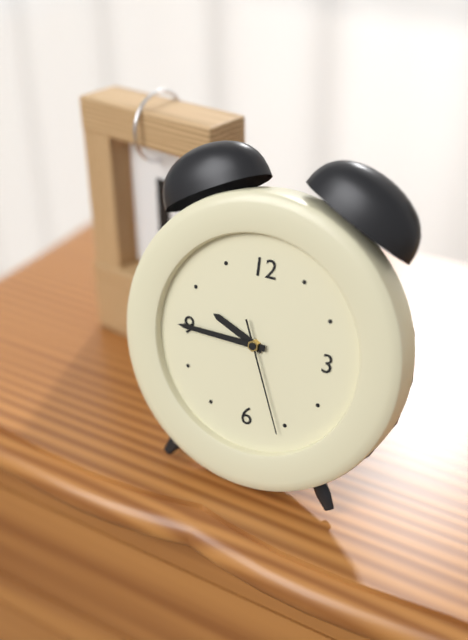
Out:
h=9 m=45 s=26
